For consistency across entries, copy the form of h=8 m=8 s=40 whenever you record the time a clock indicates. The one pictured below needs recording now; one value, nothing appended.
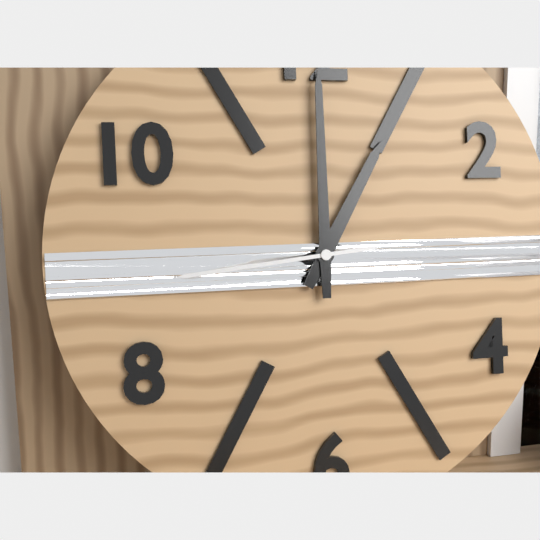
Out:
h=1 m=0 s=44
